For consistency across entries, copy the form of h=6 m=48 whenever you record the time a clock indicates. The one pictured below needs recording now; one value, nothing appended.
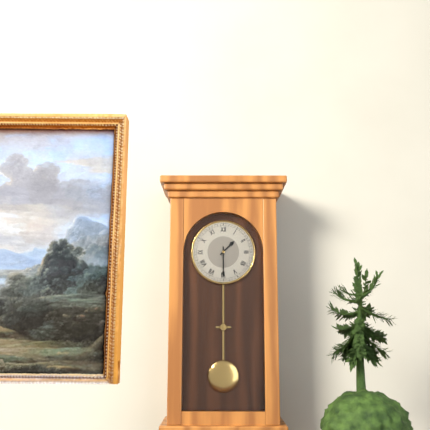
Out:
h=1 m=30
